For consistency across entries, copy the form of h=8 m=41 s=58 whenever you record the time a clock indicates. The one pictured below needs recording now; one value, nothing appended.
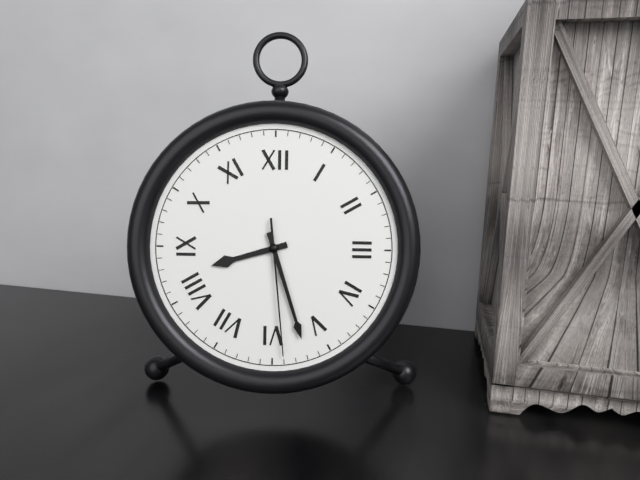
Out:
h=8 m=27 s=29
